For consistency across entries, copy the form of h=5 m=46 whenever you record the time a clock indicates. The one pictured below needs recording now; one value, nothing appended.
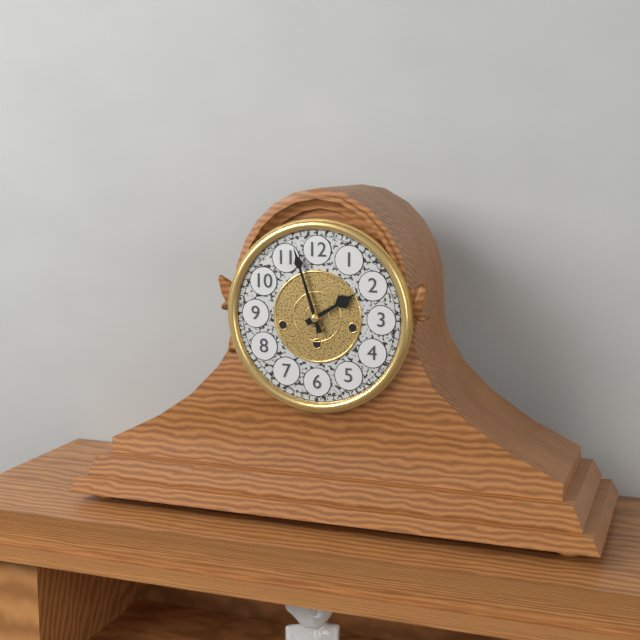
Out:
h=1 m=57
